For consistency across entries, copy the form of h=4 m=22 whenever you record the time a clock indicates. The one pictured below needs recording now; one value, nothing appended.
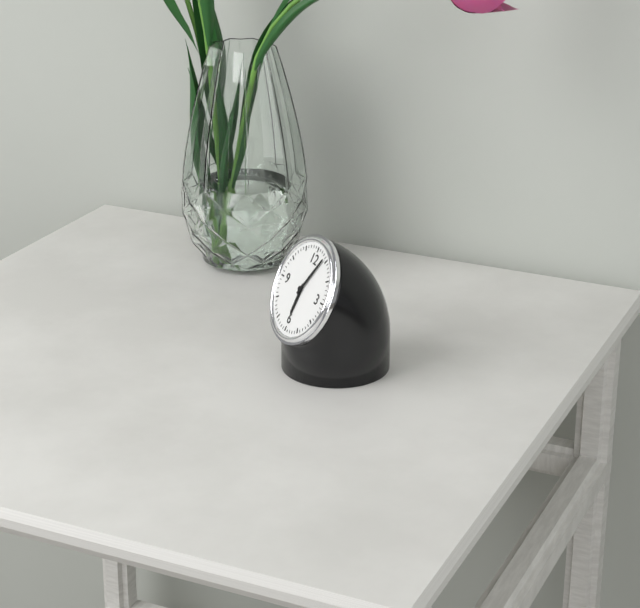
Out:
h=6 m=4
